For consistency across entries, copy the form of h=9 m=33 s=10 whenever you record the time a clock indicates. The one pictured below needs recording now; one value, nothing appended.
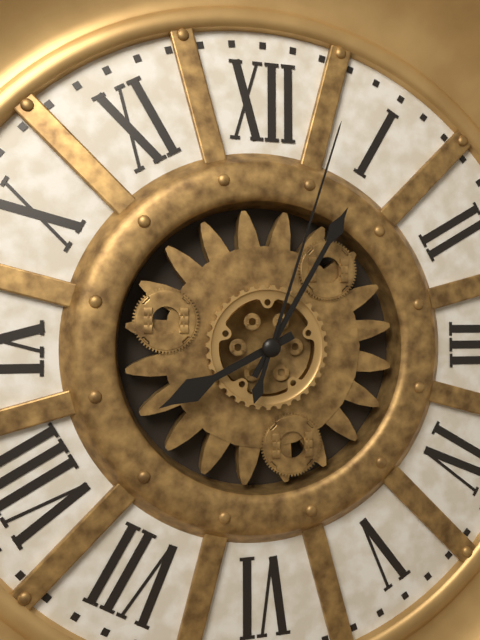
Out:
h=8 m=5 s=3
